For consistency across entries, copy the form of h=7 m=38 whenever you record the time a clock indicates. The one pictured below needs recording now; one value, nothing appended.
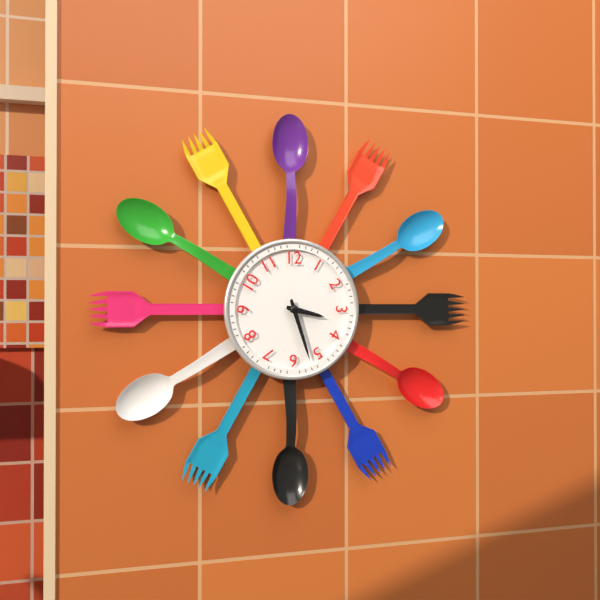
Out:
h=3 m=27
